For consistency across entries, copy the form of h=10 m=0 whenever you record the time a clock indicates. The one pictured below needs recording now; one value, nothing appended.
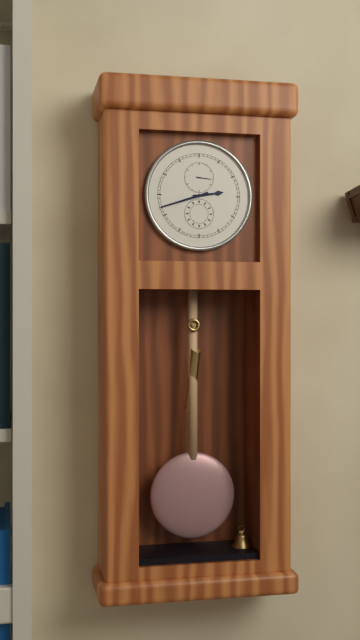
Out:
h=2 m=42
